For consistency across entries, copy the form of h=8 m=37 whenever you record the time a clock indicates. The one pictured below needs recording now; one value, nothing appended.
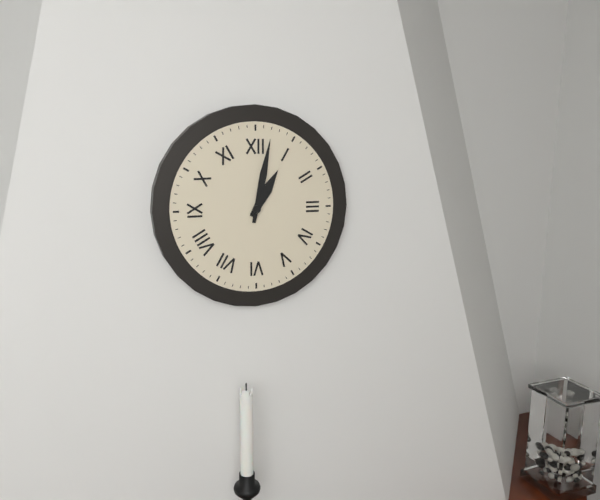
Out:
h=1 m=2
